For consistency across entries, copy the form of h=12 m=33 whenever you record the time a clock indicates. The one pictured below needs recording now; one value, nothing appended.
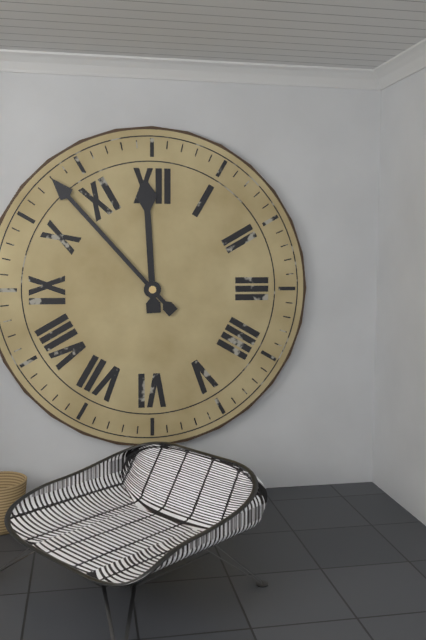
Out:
h=11 m=53
